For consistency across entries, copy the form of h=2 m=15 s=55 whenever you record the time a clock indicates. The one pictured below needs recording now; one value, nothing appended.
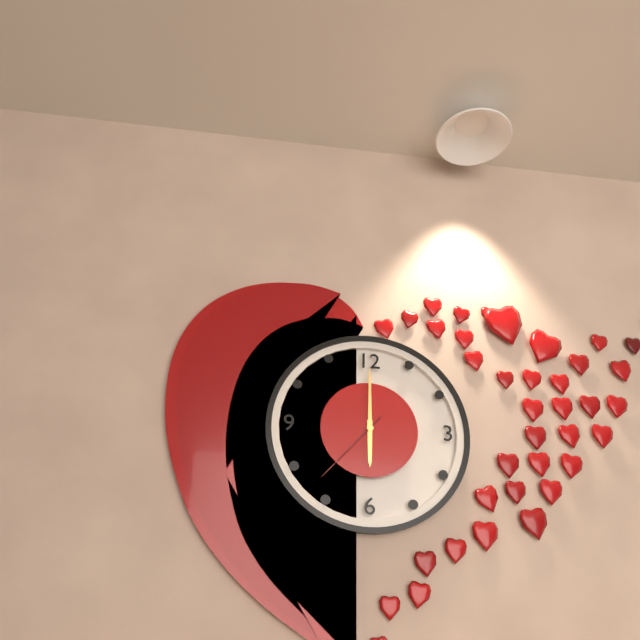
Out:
h=6 m=0 s=37
